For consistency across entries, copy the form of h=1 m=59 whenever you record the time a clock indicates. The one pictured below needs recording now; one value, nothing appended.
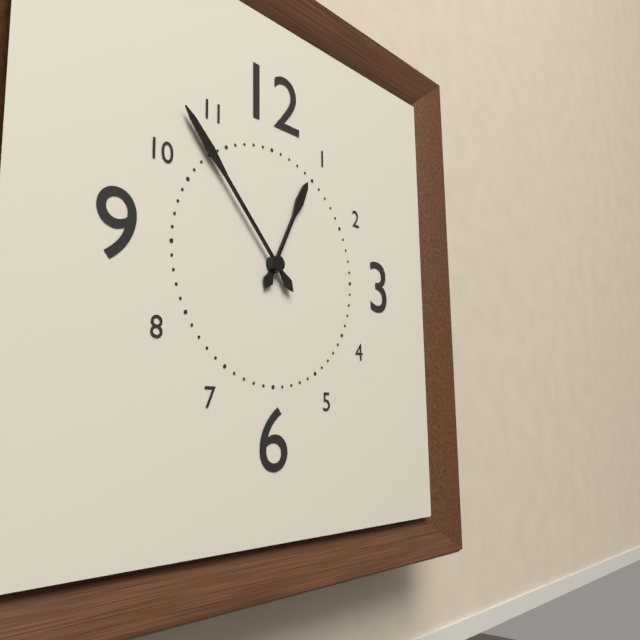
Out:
h=12 m=53
